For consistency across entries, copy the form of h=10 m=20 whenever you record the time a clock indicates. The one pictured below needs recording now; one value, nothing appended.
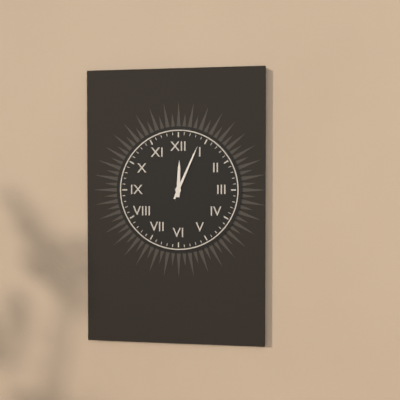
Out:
h=12 m=4
